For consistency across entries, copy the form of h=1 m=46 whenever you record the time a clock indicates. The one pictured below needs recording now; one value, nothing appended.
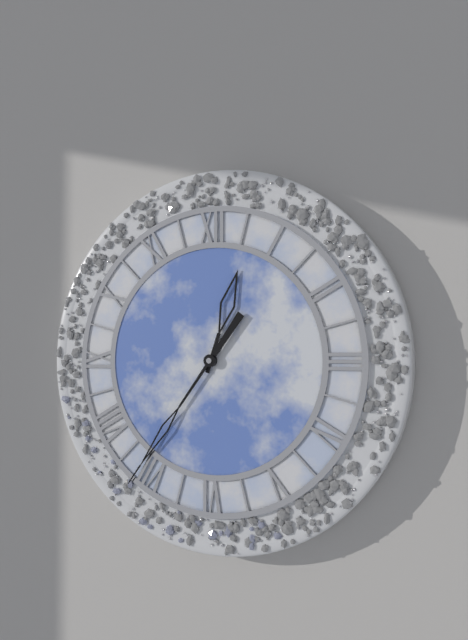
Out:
h=12 m=36
